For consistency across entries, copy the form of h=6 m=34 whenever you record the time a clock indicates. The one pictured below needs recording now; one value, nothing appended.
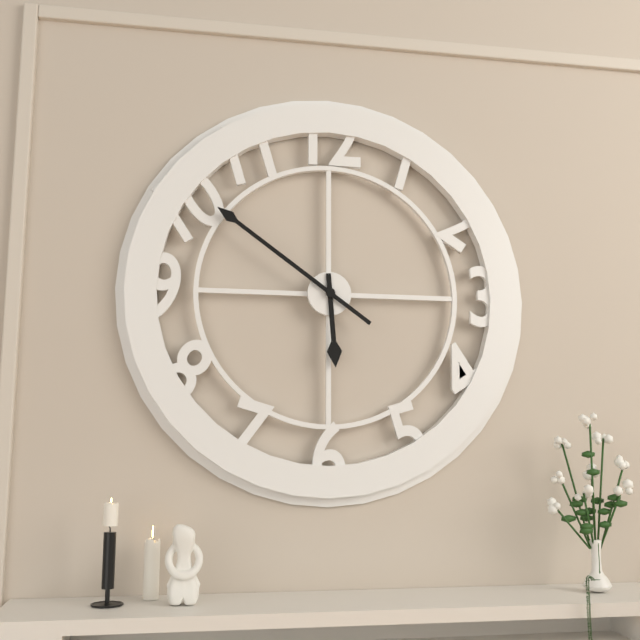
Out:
h=5 m=51
